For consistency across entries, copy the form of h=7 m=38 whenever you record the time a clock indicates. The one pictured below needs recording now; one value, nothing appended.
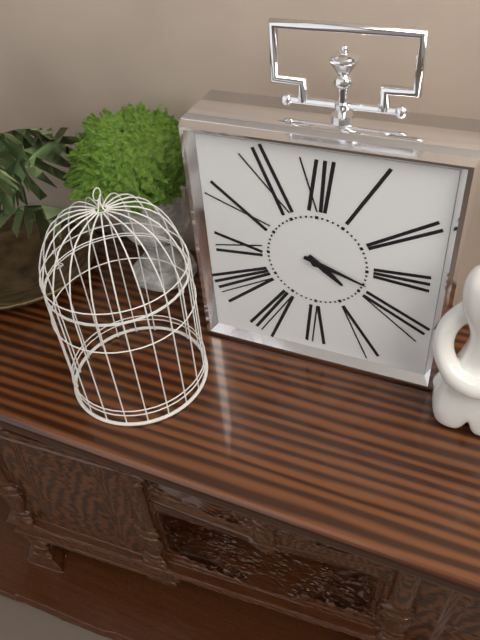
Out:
h=4 m=18
